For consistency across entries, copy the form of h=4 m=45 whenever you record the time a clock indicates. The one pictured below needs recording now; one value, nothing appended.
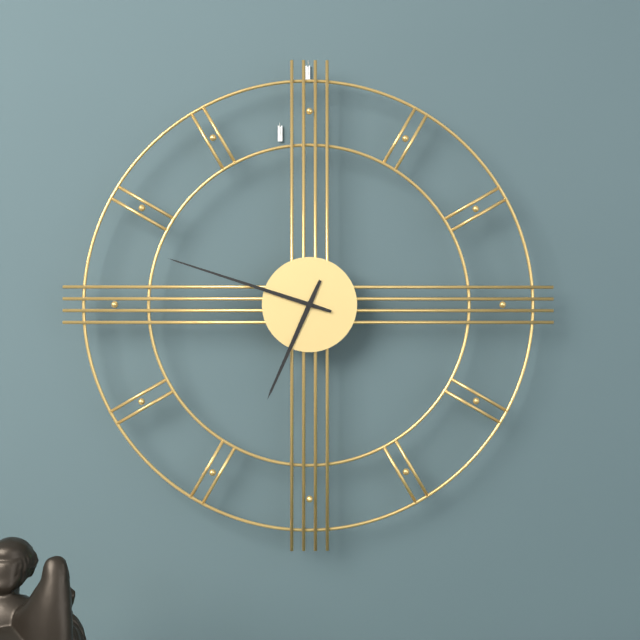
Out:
h=6 m=48
